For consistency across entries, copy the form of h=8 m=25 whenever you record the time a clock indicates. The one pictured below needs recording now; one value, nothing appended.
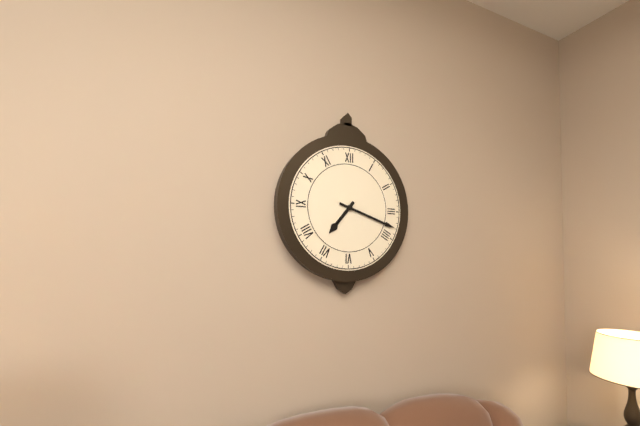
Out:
h=7 m=18
